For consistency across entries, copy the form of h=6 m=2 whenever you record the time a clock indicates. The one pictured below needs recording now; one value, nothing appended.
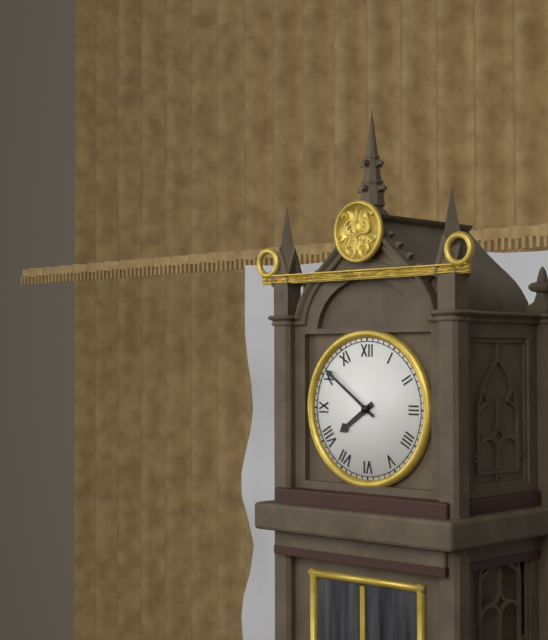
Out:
h=7 m=51
